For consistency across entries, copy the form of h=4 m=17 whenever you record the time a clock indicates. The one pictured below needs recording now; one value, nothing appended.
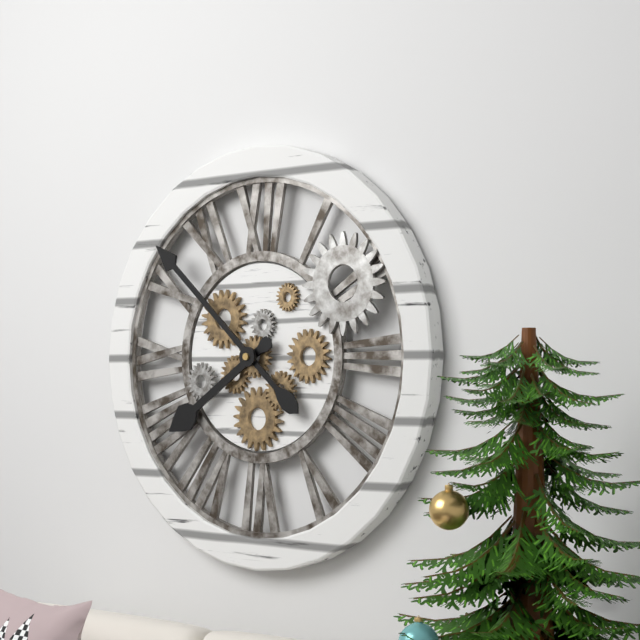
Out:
h=7 m=52
